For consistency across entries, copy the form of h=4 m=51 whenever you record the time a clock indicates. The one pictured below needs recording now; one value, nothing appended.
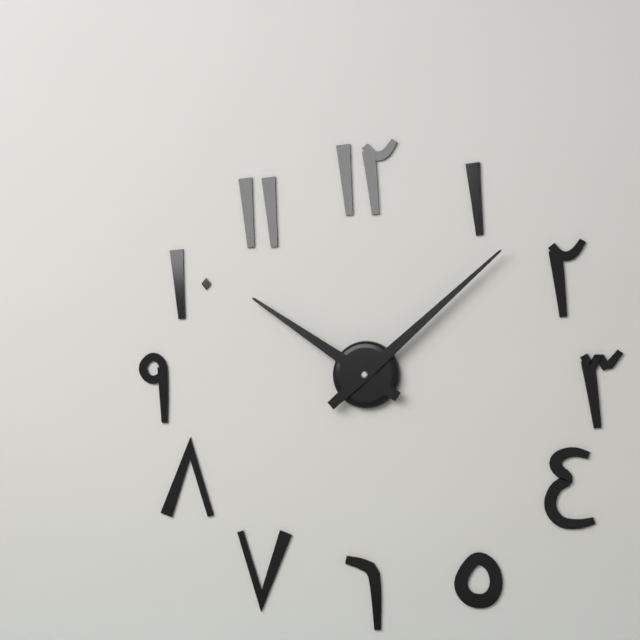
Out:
h=10 m=8
